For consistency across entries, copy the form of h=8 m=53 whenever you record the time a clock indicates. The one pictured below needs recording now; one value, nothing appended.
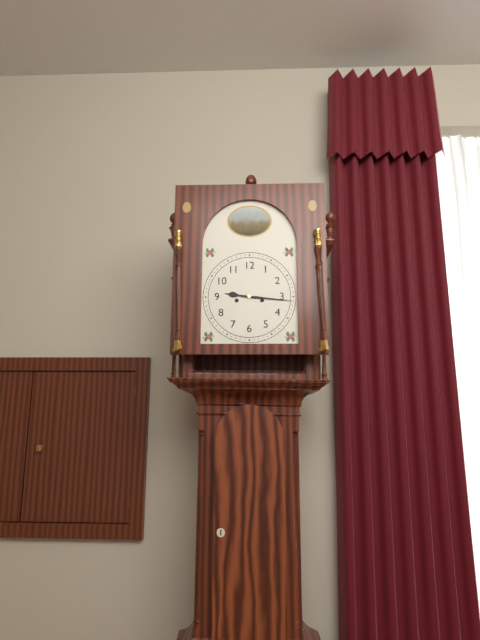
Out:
h=9 m=16
